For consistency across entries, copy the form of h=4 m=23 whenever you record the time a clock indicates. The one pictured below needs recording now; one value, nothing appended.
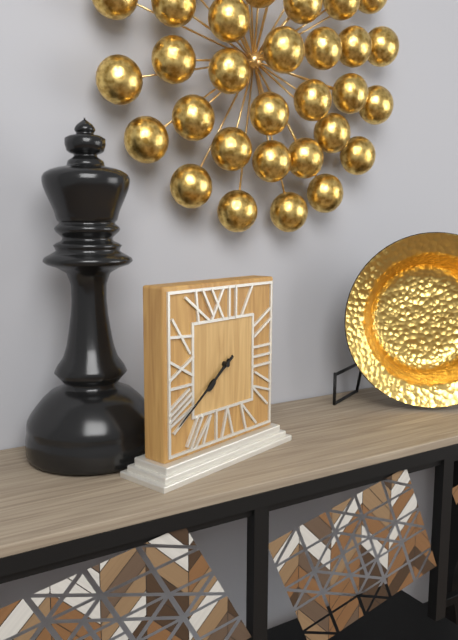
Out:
h=7 m=39
